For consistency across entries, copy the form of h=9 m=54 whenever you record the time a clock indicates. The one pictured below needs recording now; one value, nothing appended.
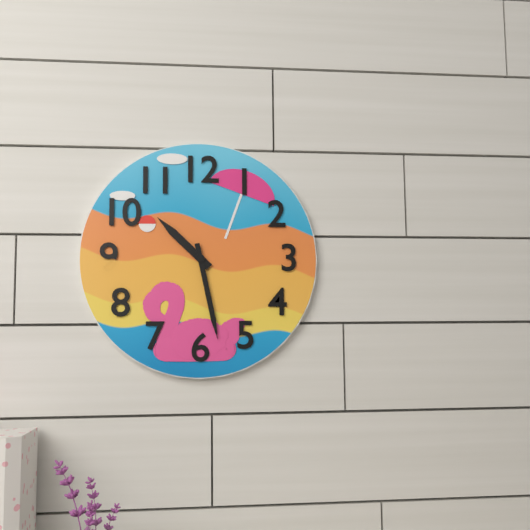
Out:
h=10 m=28
